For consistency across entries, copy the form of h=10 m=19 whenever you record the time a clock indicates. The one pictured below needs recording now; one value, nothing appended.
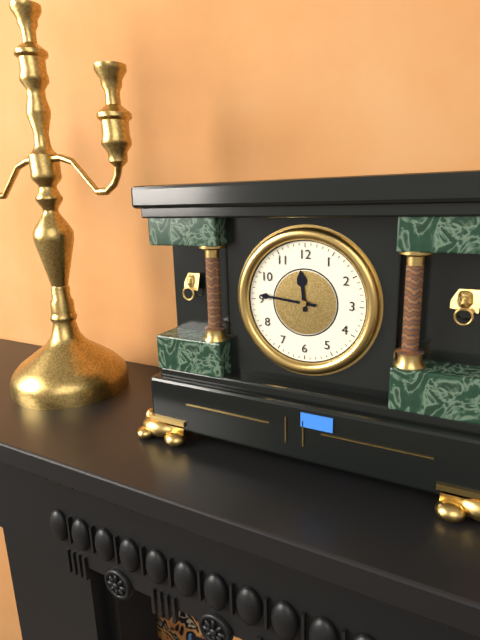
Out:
h=11 m=46
